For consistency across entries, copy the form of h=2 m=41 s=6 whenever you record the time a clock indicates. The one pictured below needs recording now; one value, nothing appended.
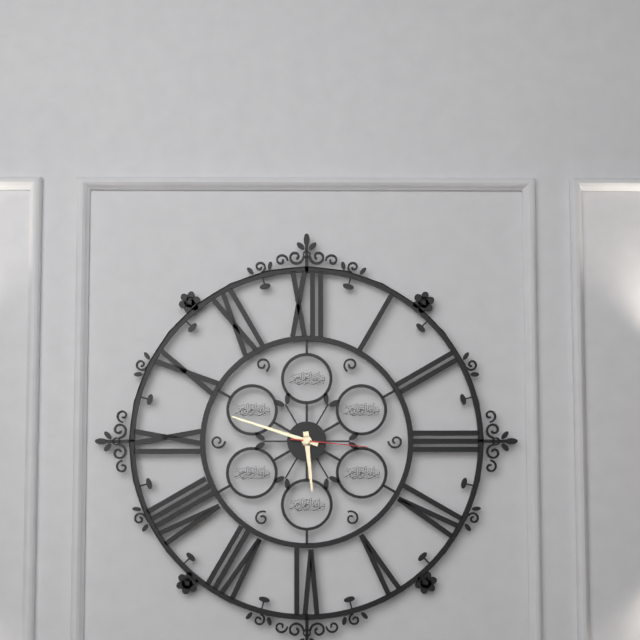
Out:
h=5 m=48 s=16
